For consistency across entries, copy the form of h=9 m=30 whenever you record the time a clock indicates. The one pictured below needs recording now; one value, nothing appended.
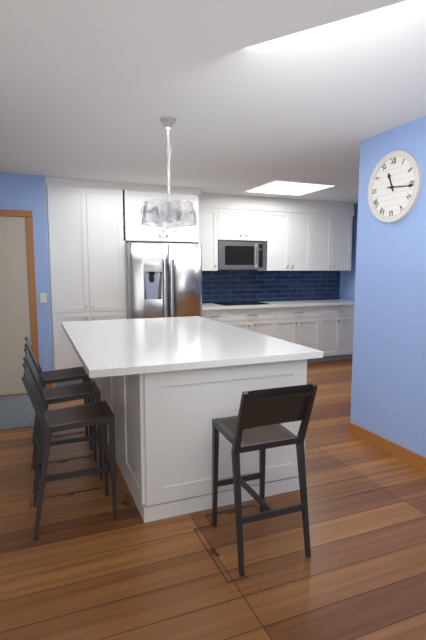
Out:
h=11 m=16
